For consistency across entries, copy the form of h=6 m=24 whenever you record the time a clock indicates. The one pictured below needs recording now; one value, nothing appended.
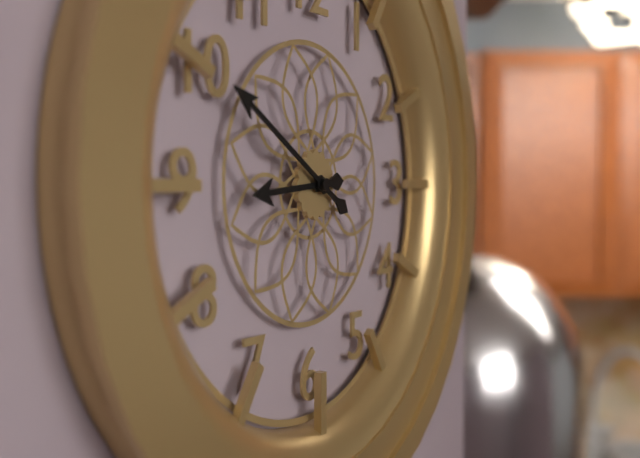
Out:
h=8 m=50
